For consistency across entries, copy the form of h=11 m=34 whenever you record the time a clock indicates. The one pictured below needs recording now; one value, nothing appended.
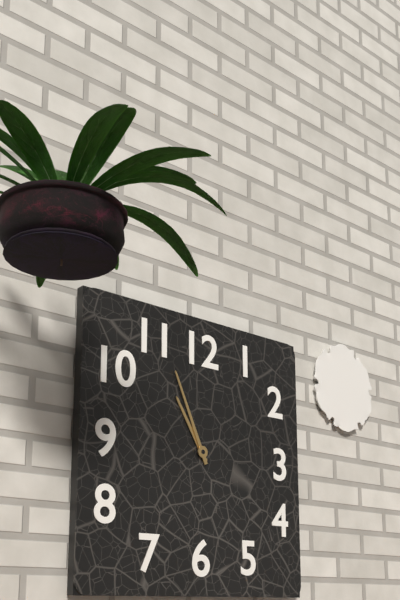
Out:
h=10 m=56
